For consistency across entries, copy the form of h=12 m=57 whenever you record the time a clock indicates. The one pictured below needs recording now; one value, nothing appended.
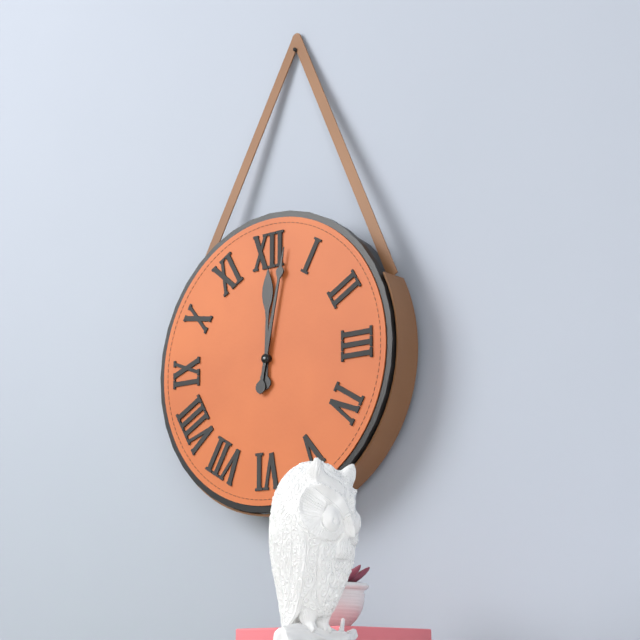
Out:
h=12 m=2
